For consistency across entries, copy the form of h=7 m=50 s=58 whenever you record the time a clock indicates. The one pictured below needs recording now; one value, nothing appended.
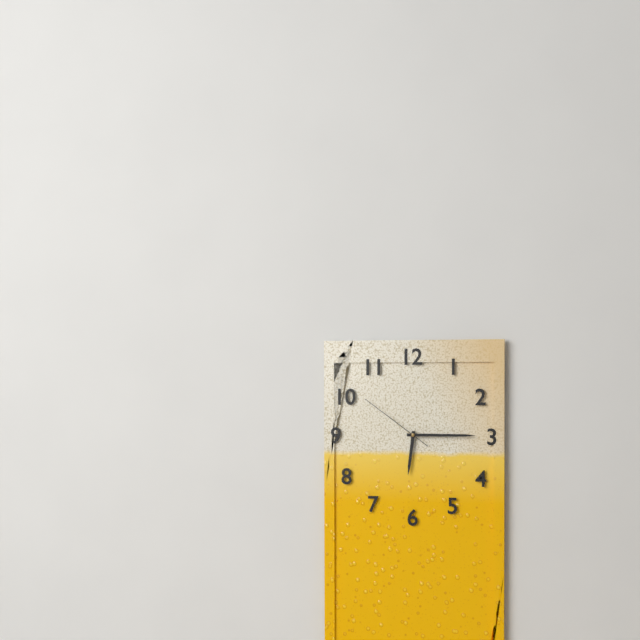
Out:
h=6 m=15 s=51
